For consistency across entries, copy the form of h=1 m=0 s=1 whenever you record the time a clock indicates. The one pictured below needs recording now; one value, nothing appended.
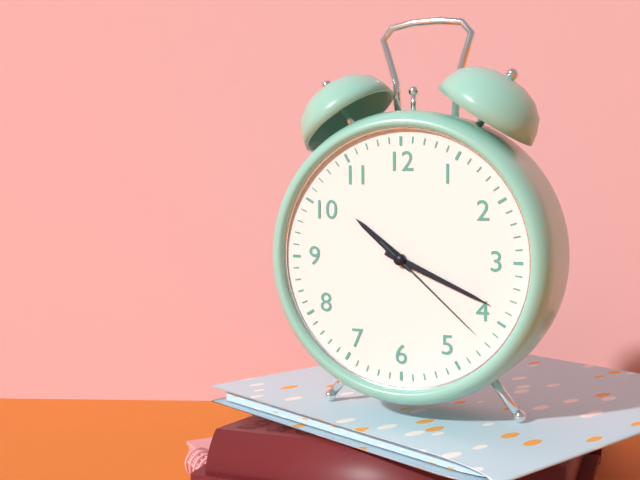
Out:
h=10 m=19 s=22
